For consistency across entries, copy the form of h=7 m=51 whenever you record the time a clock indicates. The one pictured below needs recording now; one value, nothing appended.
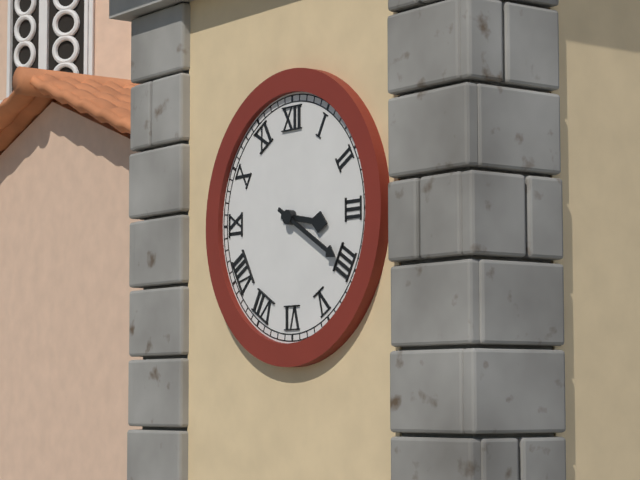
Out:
h=3 m=20
